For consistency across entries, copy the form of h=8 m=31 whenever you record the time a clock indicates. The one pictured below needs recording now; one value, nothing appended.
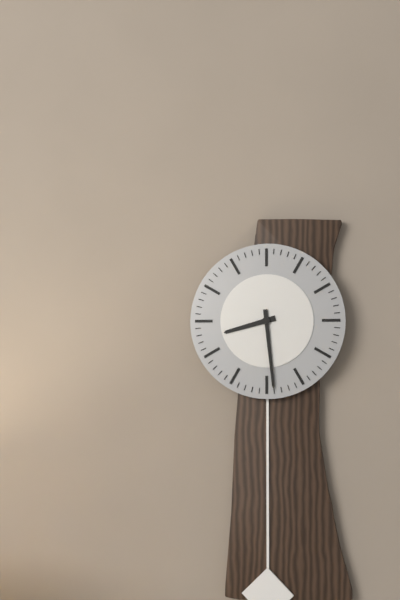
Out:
h=8 m=29
